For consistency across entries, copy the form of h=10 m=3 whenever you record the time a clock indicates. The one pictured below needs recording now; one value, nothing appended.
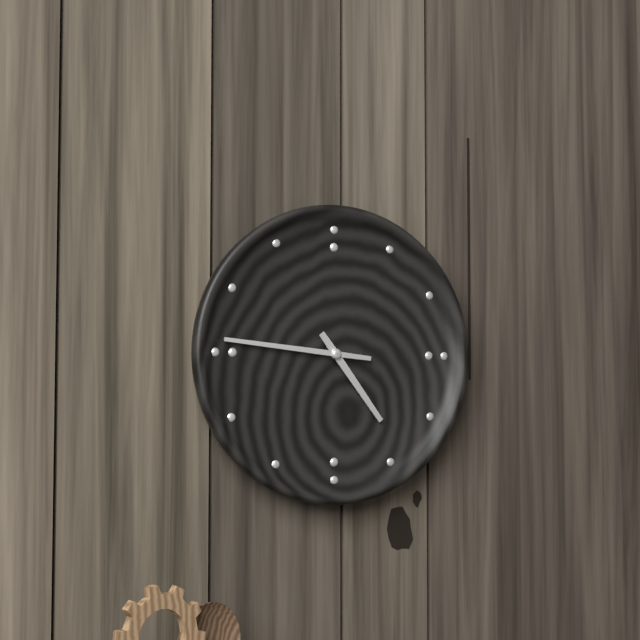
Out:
h=4 m=46
